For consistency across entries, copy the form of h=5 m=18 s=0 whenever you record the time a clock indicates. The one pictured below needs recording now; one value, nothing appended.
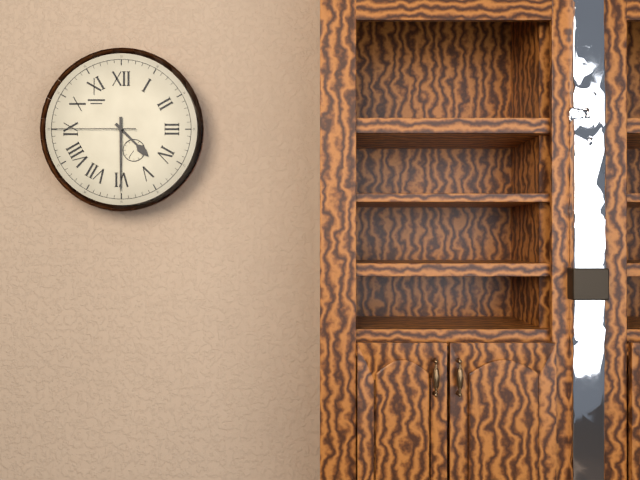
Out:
h=4 m=30 s=45
